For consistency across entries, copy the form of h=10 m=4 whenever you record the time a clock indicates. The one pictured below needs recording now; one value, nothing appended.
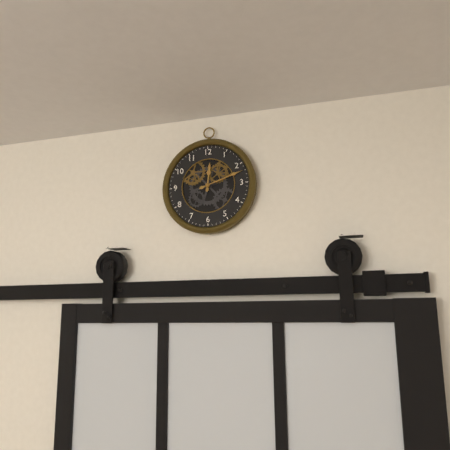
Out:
h=12 m=12
